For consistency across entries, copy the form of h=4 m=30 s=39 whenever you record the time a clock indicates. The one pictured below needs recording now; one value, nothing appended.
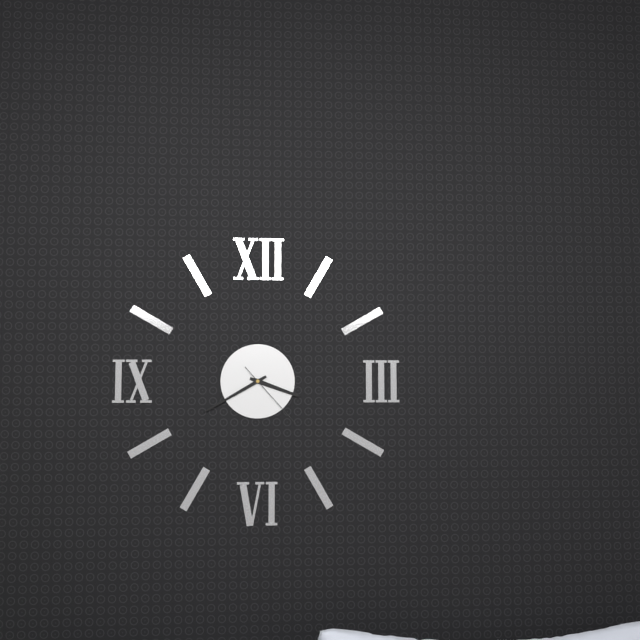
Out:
h=3 m=40 s=23
